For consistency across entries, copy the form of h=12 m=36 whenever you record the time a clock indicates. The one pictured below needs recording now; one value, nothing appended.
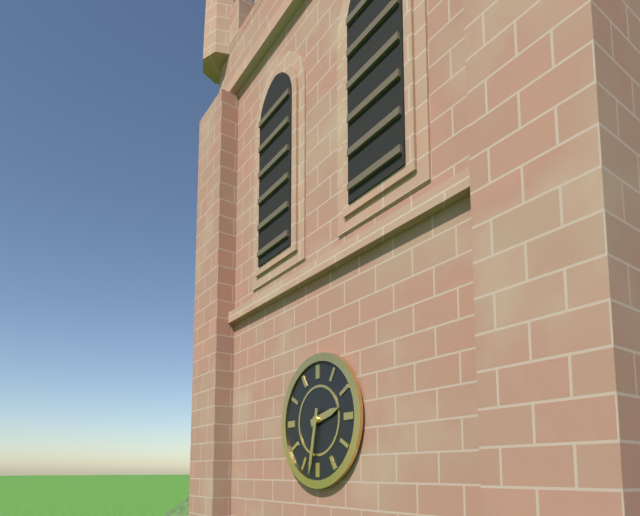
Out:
h=2 m=32
